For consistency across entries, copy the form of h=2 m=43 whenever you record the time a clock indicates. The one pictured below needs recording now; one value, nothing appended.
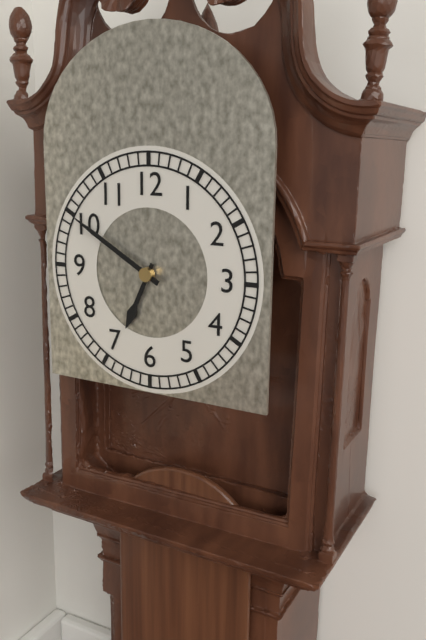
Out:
h=6 m=50
